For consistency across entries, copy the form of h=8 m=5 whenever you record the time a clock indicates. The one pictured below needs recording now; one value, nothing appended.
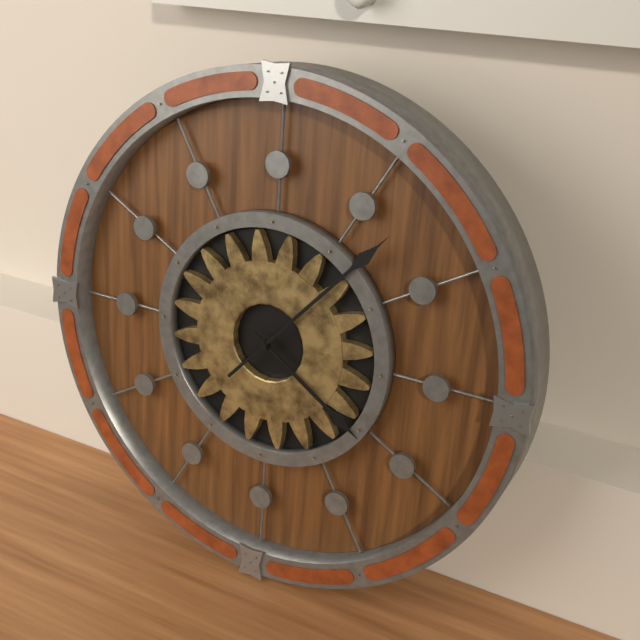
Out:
h=4 m=7
